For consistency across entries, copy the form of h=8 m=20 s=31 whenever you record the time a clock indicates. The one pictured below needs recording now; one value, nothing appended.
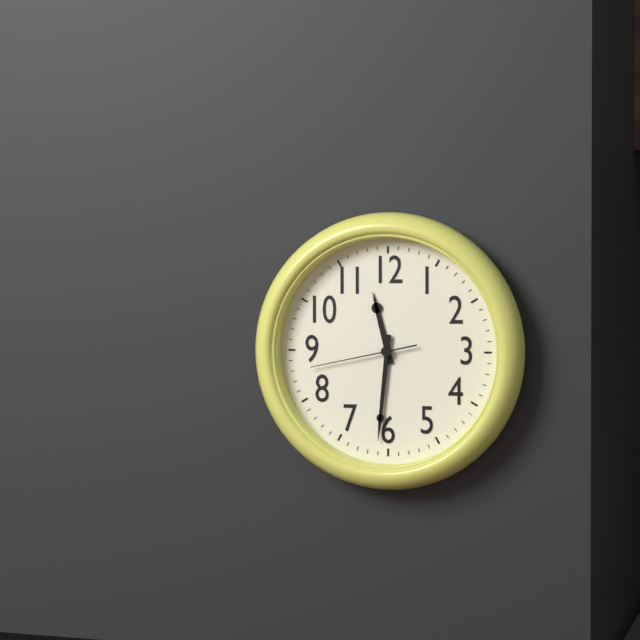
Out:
h=11 m=31 s=43
